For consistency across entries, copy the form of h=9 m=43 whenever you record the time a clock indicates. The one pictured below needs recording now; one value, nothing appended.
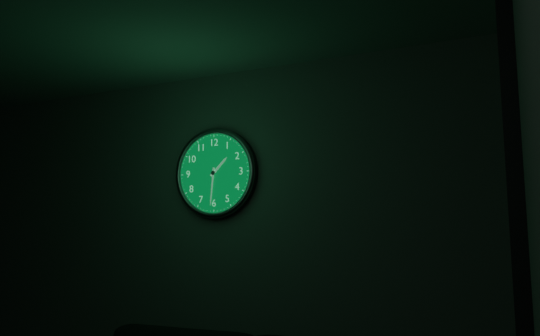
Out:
h=1 m=31
